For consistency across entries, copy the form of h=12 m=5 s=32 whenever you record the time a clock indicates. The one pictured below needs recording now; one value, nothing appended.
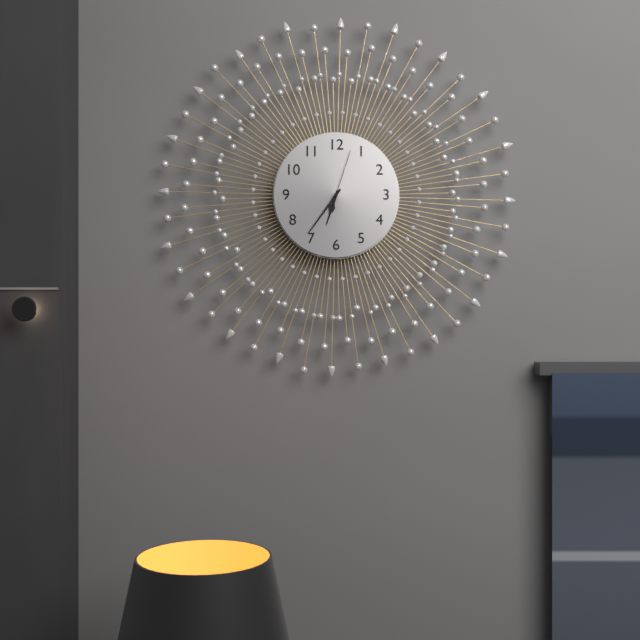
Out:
h=6 m=36 s=3
